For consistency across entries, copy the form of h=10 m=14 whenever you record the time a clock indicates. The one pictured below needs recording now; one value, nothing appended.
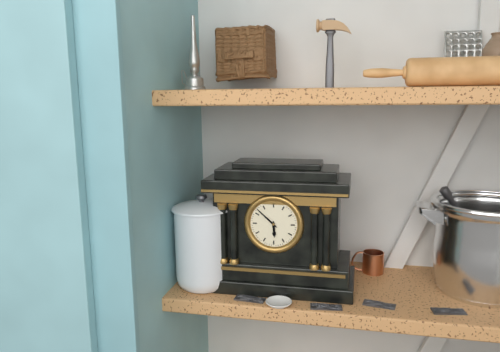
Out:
h=5 m=52
